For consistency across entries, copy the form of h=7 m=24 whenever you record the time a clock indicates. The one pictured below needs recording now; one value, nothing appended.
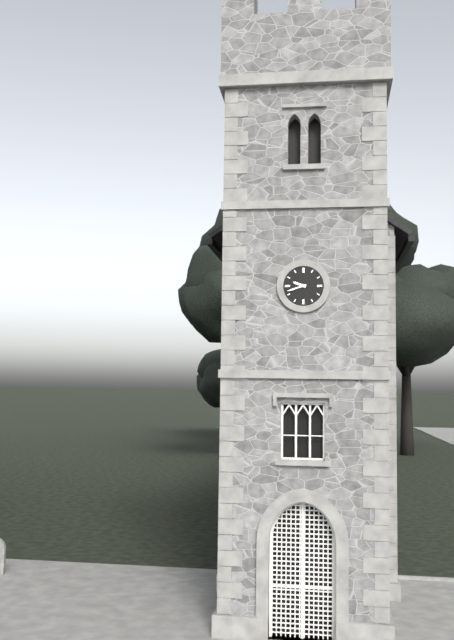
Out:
h=9 m=42
